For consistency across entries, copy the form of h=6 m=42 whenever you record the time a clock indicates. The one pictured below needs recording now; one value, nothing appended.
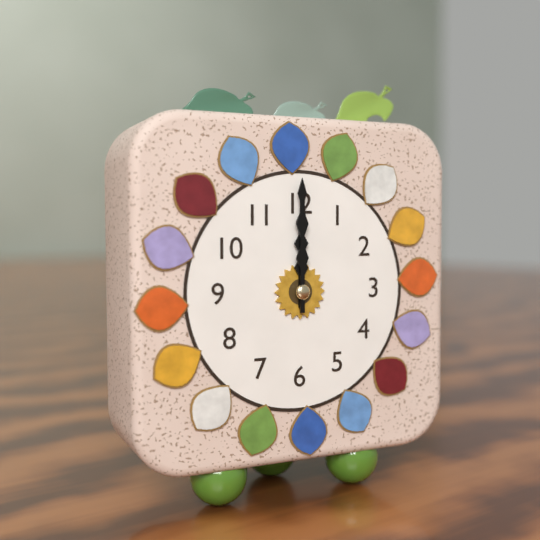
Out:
h=12 m=0
